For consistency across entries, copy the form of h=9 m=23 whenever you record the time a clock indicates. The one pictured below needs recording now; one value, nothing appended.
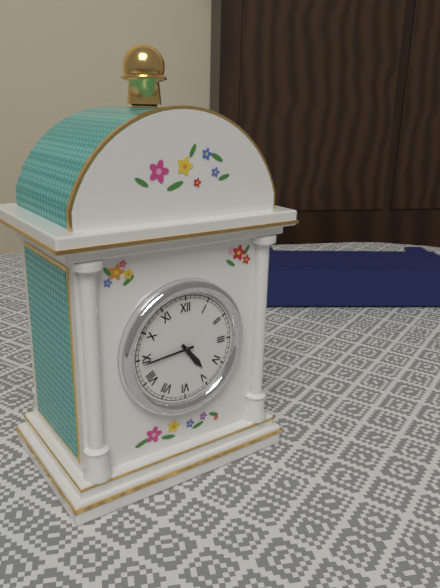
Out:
h=4 m=44
